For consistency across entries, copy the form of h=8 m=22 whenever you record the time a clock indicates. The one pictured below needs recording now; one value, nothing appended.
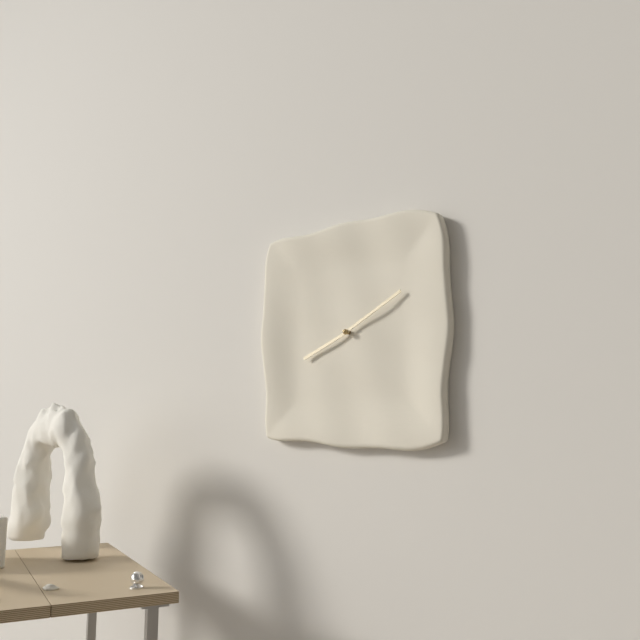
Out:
h=8 m=10
